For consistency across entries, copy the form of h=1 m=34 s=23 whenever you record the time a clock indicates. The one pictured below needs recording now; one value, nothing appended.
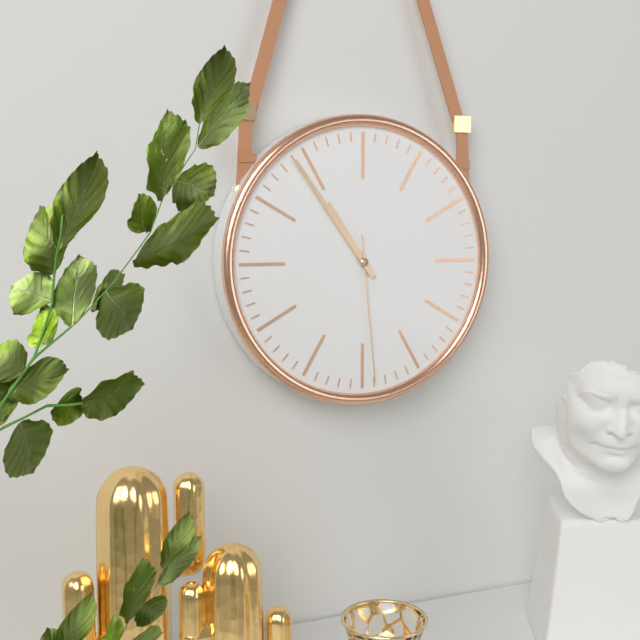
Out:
h=10 m=54 s=29
